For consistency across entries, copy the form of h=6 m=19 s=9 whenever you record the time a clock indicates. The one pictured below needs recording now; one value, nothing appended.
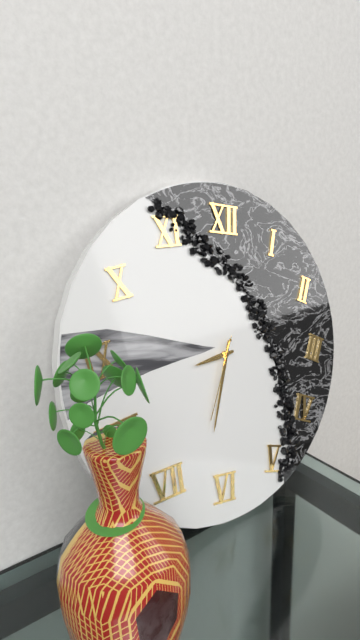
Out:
h=8 m=32 s=33
